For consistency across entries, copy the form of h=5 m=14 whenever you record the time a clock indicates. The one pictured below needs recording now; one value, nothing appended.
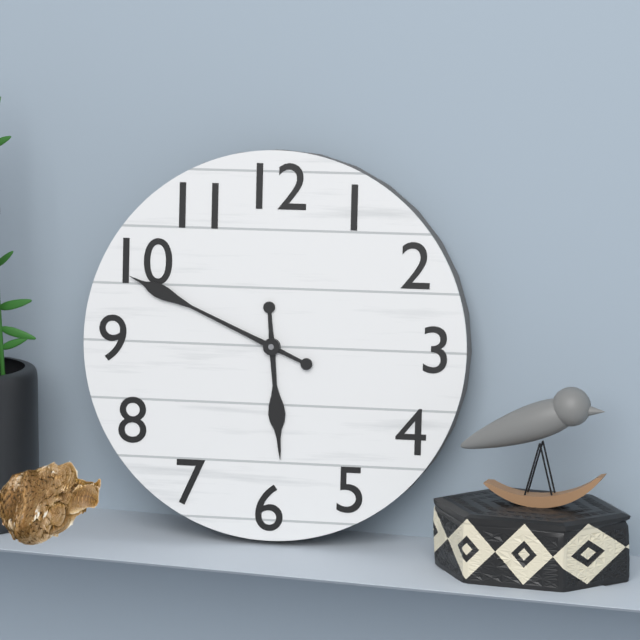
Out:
h=5 m=49
